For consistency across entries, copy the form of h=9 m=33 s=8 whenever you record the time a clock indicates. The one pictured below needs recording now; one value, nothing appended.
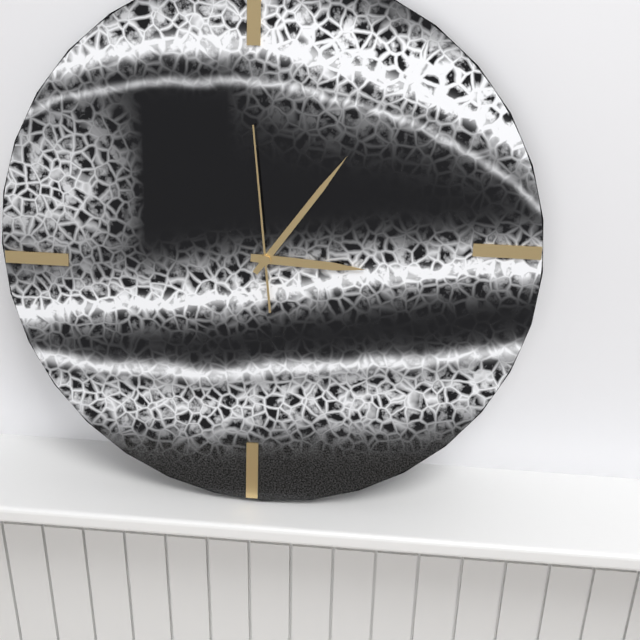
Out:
h=3 m=6 s=59
